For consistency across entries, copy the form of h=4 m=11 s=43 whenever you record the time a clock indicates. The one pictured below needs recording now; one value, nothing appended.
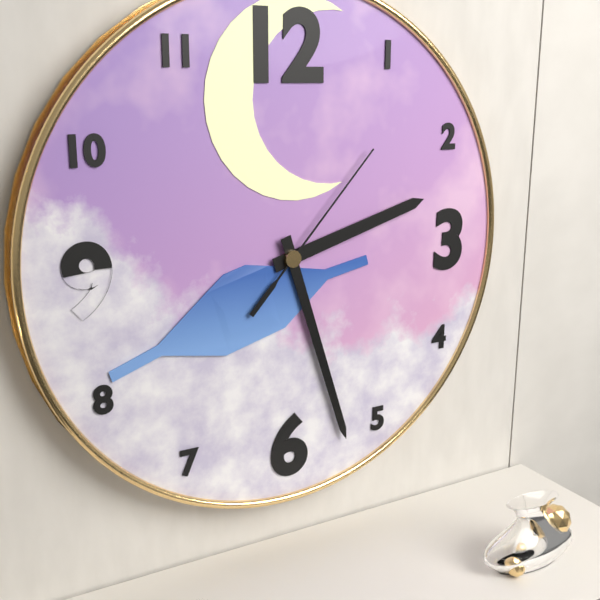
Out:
h=2 m=27 s=7
